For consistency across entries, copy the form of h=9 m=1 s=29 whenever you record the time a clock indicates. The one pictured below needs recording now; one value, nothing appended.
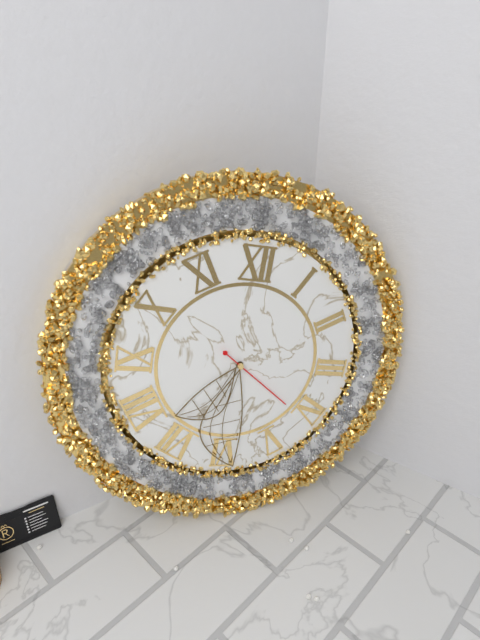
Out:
h=7 m=29 s=21
